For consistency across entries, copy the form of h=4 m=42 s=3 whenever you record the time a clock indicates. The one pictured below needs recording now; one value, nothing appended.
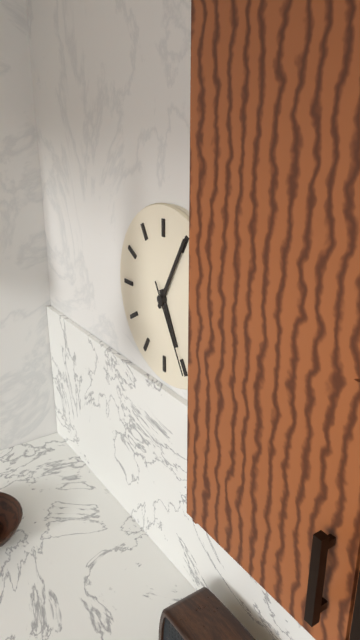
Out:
h=5 m=5 s=25
